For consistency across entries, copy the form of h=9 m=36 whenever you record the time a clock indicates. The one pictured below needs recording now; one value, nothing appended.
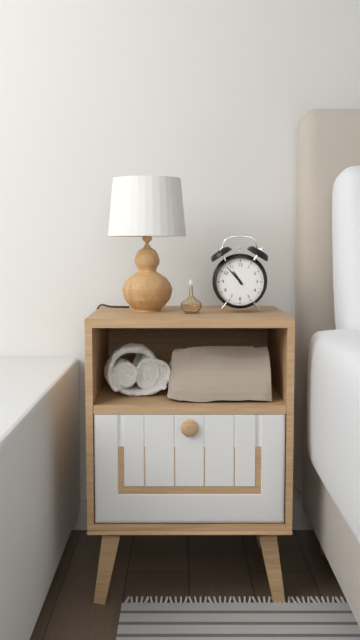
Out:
h=10 m=53
